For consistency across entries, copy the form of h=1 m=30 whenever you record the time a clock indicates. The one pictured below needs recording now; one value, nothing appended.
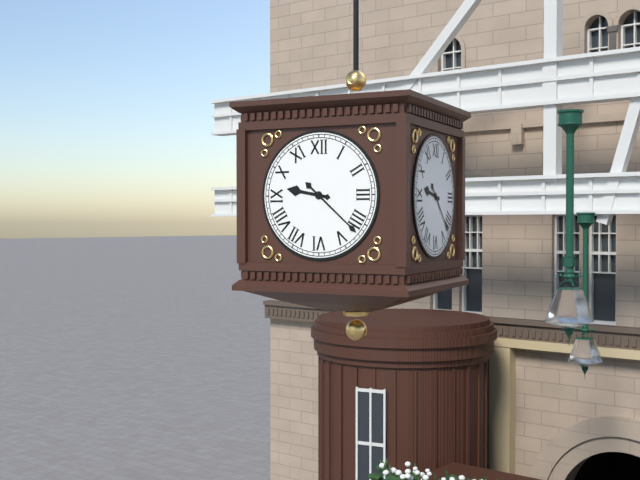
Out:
h=9 m=22
